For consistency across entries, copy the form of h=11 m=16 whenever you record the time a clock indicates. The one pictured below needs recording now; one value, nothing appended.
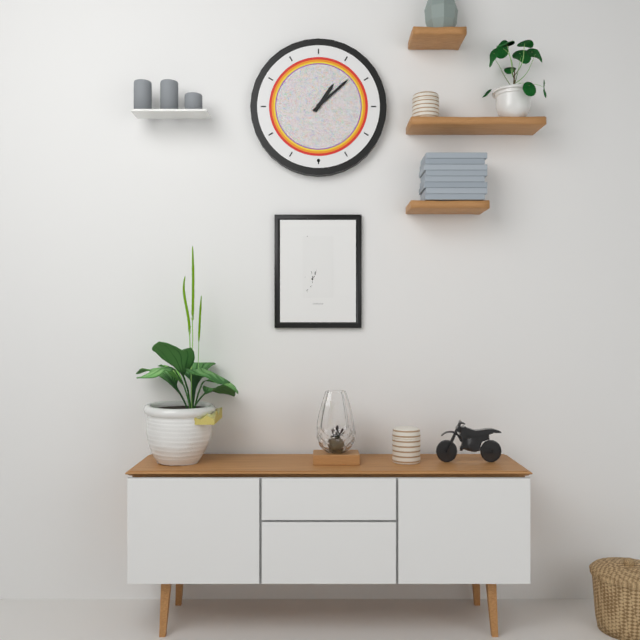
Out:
h=1 m=8
